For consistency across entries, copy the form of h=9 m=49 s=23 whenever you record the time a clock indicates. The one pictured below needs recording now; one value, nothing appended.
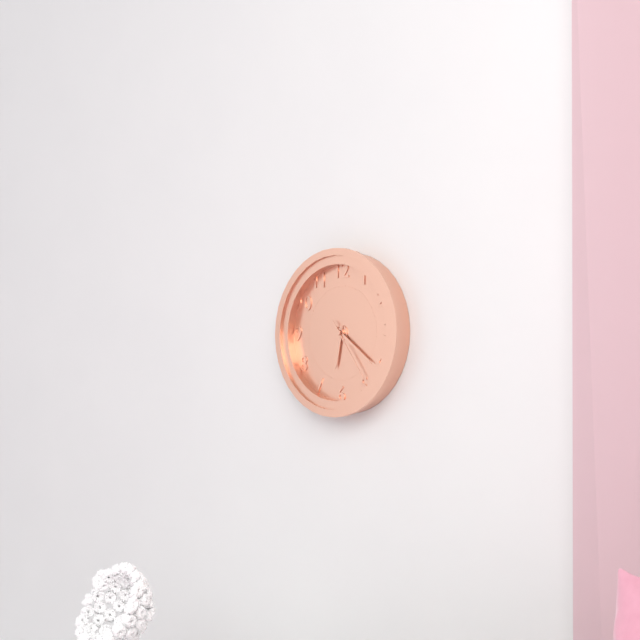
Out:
h=6 m=21 s=24
